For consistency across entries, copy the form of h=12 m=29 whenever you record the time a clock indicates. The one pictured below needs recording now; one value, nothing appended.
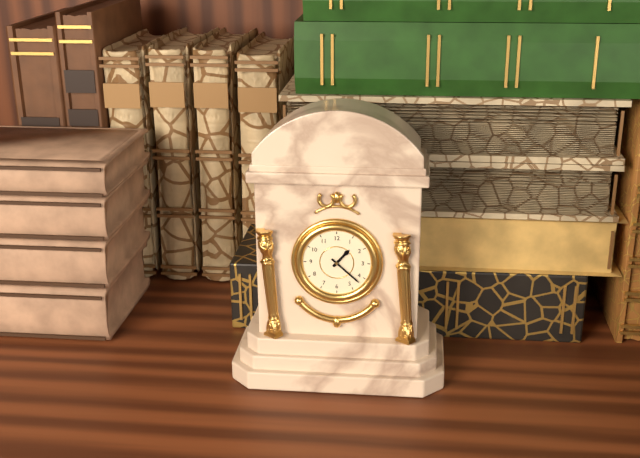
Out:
h=1 m=22
